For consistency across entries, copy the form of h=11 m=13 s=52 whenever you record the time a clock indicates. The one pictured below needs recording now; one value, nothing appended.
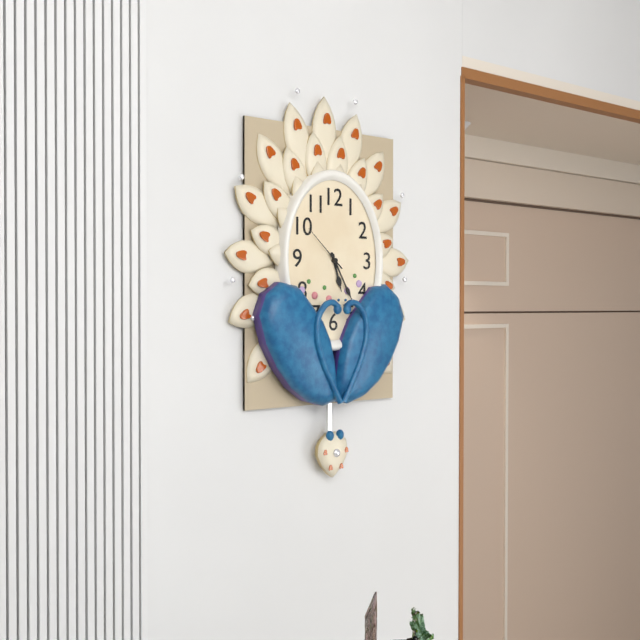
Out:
h=5 m=25 s=52
